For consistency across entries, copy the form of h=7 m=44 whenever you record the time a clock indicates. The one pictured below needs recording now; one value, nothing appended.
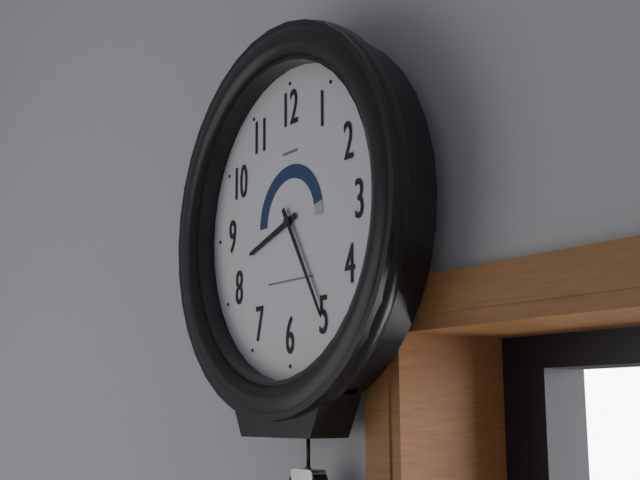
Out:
h=8 m=25
